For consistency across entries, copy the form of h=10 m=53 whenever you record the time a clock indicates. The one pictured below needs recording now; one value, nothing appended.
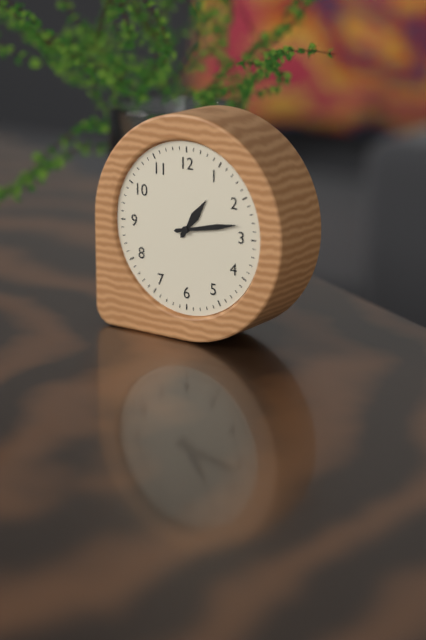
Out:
h=1 m=13
